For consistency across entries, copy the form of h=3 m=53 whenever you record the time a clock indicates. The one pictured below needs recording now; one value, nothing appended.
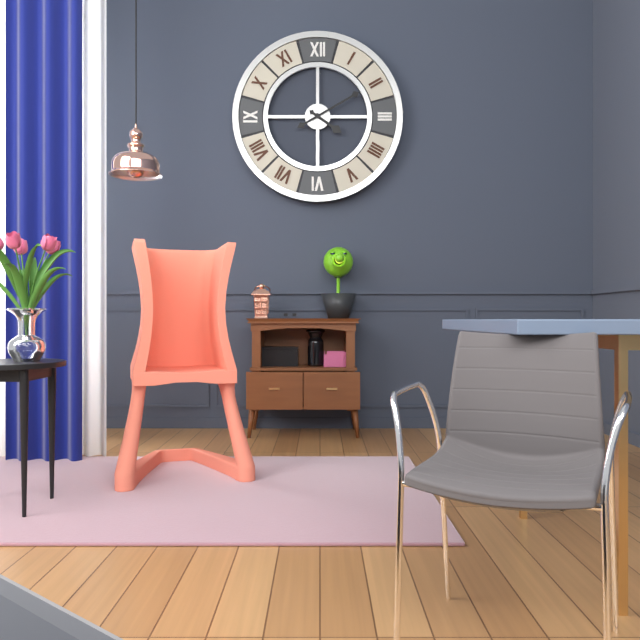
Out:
h=4 m=10
